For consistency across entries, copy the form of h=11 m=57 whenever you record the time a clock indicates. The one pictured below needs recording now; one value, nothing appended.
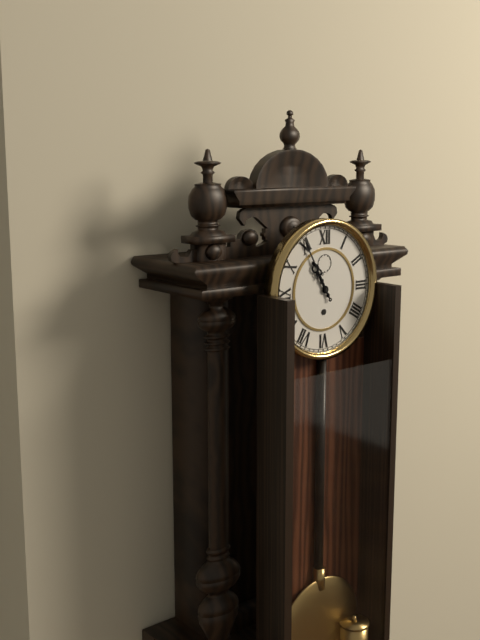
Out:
h=10 m=55
